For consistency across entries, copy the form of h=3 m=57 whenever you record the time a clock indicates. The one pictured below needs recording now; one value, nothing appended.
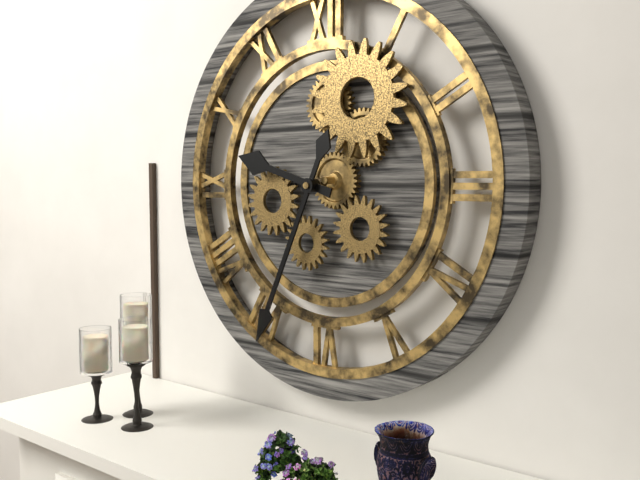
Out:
h=9 m=34
